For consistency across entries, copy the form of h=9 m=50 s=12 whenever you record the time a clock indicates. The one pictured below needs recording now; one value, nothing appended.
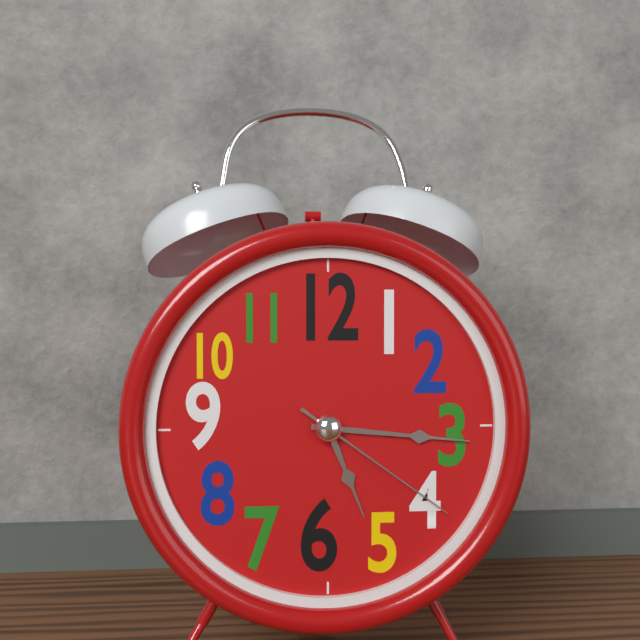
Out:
h=5 m=16 s=21
